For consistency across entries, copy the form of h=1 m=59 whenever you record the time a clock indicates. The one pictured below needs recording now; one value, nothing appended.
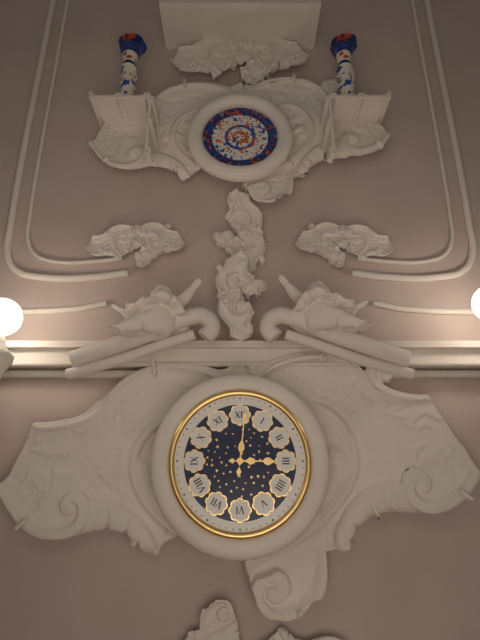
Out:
h=3 m=1
